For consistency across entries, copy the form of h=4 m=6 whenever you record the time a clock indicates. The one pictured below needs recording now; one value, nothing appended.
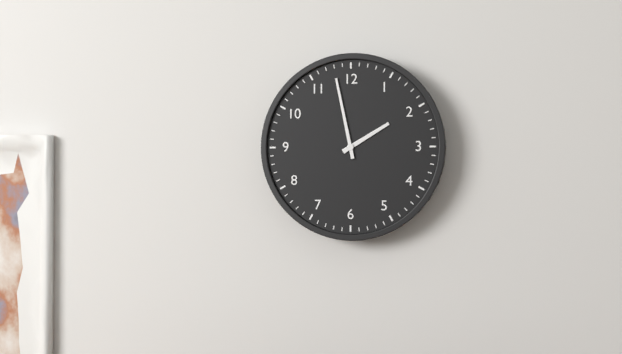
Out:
h=1 m=58
